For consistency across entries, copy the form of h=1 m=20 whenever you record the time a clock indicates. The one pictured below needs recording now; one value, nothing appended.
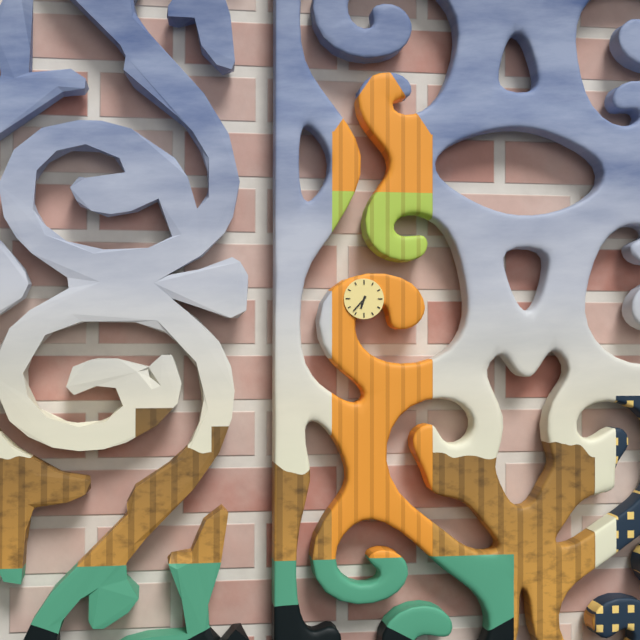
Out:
h=6 m=37
